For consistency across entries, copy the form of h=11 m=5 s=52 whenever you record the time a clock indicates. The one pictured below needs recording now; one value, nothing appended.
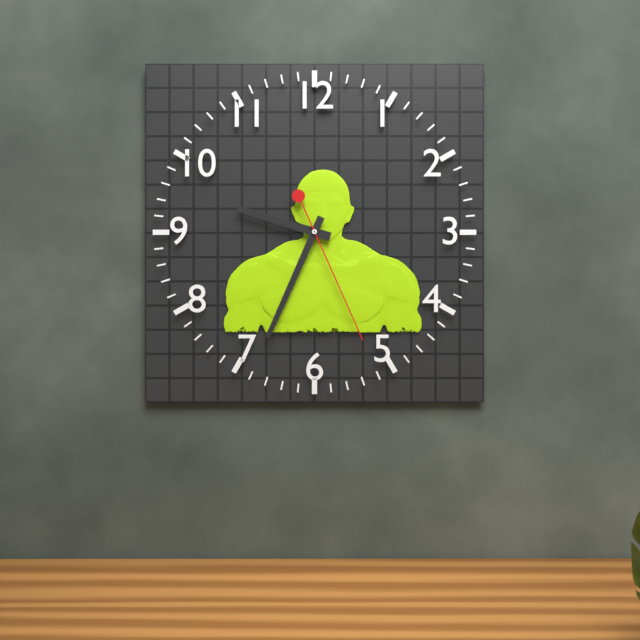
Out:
h=9 m=34 s=26
